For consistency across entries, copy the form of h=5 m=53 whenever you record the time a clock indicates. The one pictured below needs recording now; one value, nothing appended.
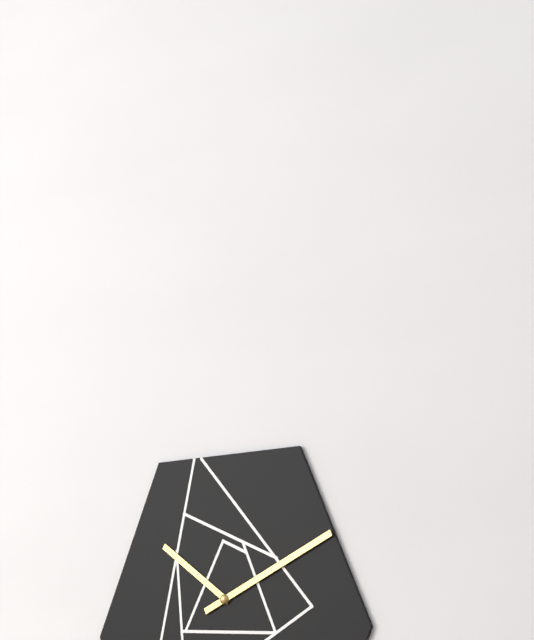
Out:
h=10 m=11
